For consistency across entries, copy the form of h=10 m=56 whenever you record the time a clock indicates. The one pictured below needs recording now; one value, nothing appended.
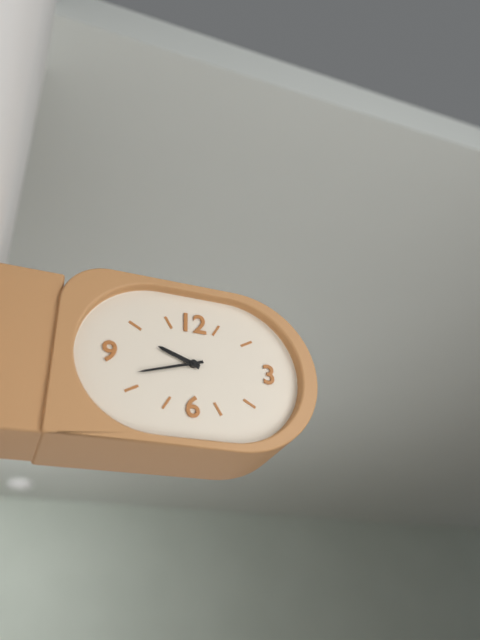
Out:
h=9 m=42
